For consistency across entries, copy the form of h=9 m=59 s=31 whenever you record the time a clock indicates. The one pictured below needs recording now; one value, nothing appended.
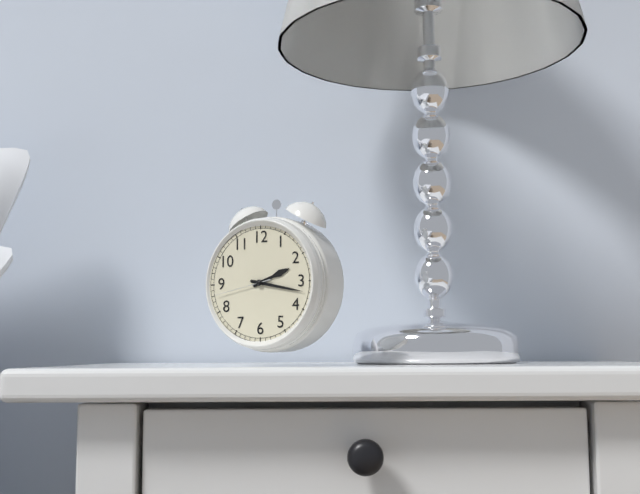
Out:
h=2 m=17 s=43
